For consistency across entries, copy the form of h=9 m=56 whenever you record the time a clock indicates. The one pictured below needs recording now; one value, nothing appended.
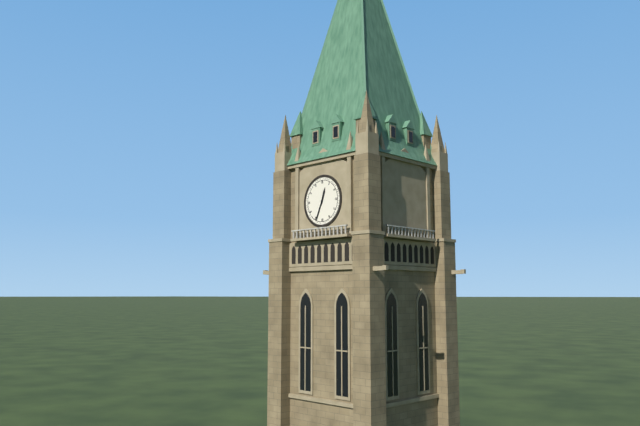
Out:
h=12 m=34
